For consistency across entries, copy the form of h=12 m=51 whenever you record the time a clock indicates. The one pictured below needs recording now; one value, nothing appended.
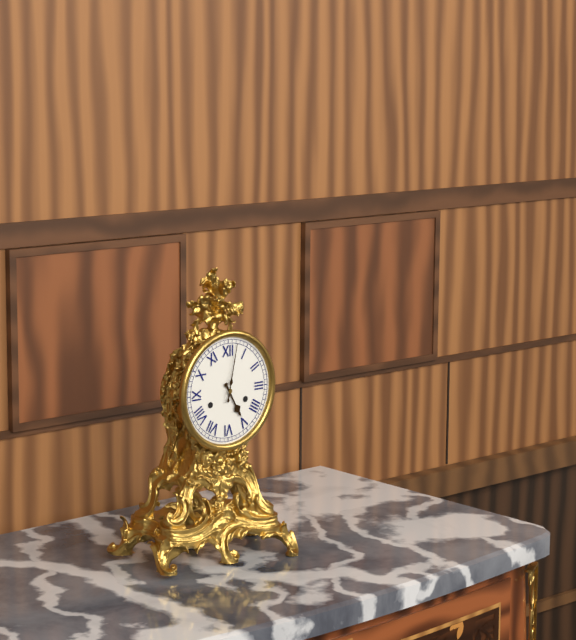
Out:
h=5 m=2
